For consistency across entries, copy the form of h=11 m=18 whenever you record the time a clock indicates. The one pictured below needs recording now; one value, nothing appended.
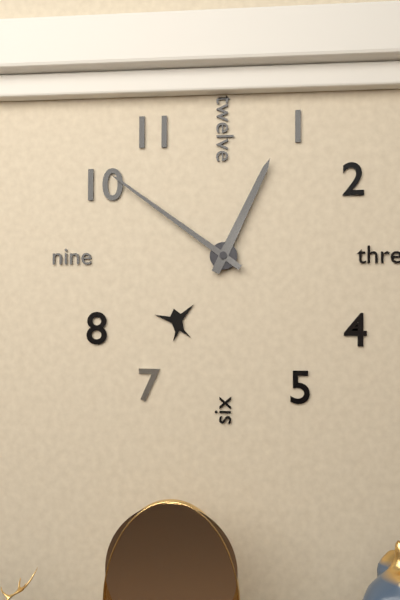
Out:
h=12 m=51
